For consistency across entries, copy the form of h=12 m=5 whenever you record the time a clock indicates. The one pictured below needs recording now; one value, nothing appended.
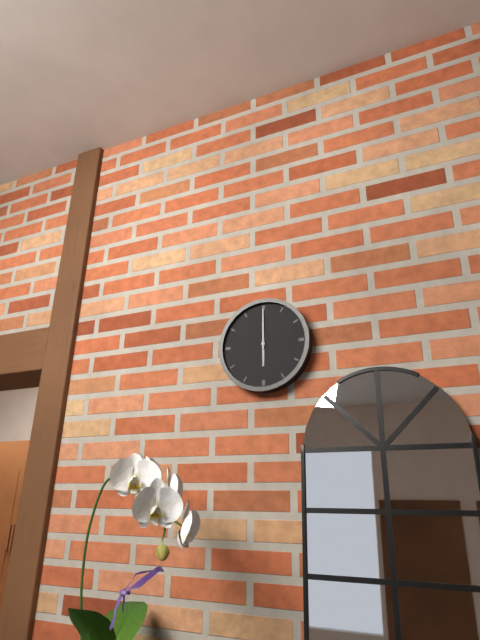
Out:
h=6 m=0
